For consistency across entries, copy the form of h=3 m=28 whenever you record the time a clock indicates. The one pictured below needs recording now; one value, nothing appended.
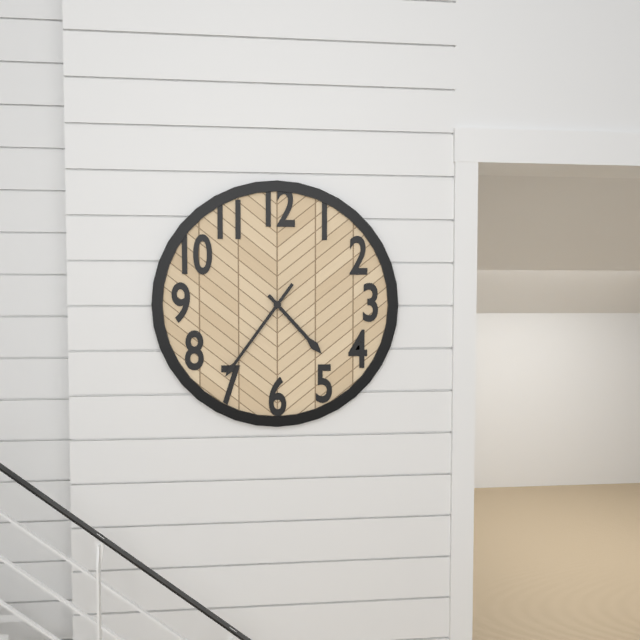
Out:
h=4 m=36
